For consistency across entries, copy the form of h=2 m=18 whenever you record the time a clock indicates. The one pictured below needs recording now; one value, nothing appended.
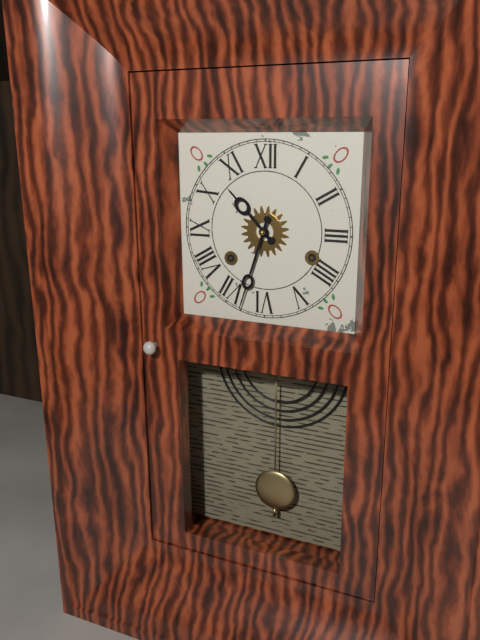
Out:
h=10 m=33
